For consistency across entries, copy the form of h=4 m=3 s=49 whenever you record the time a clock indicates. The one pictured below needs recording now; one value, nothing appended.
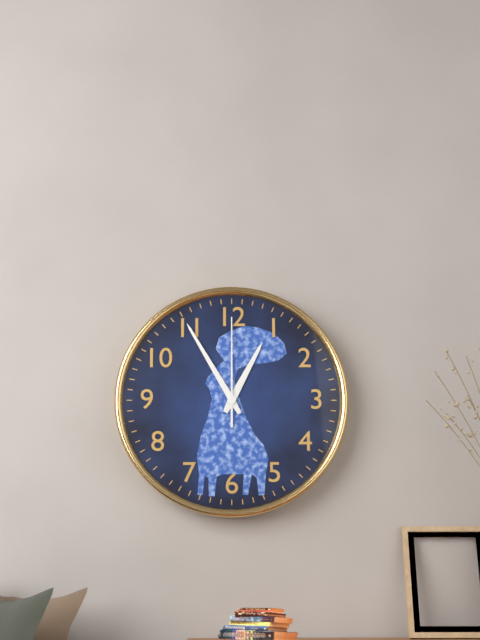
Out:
h=12 m=55 s=0
